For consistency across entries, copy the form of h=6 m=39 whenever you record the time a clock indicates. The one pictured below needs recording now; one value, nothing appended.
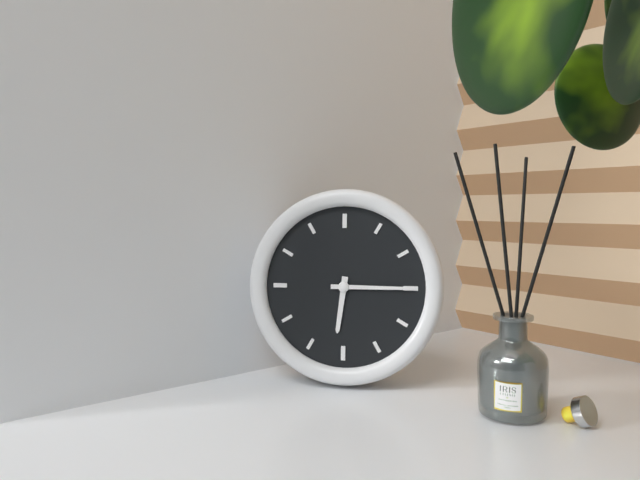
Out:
h=6 m=15
